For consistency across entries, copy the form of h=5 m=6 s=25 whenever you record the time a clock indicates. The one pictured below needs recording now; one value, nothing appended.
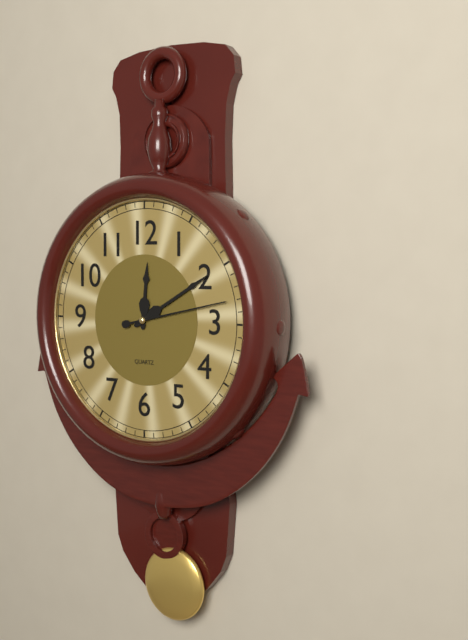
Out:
h=12 m=10 s=13
